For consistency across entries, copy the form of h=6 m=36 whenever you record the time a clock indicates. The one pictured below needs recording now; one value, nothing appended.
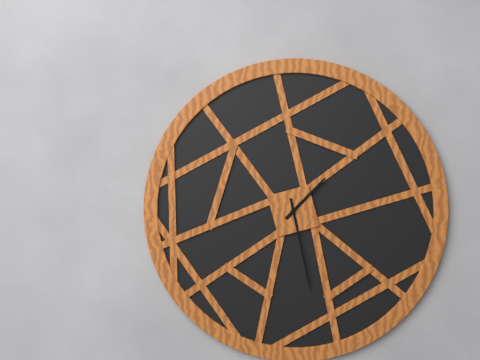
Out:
h=1 m=28
